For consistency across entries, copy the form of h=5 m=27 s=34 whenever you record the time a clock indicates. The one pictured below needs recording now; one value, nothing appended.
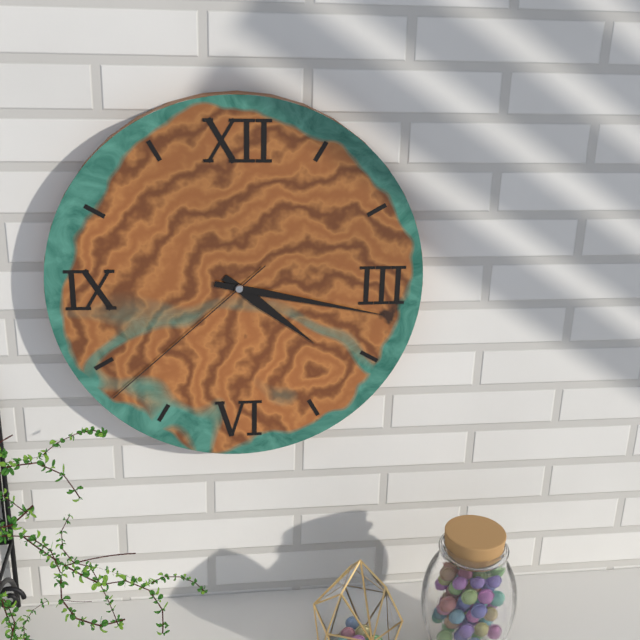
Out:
h=4 m=17 s=38
